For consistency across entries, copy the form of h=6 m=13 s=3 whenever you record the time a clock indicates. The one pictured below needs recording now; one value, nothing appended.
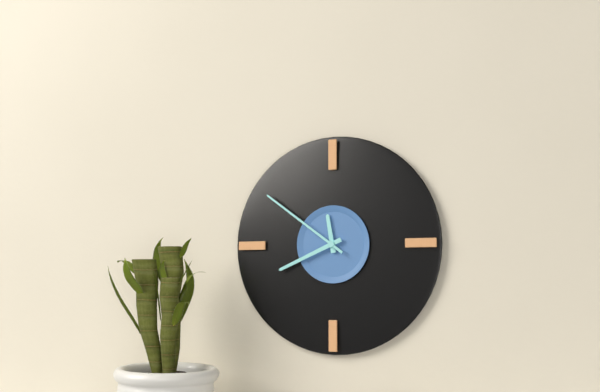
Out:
h=11 m=41 s=51
